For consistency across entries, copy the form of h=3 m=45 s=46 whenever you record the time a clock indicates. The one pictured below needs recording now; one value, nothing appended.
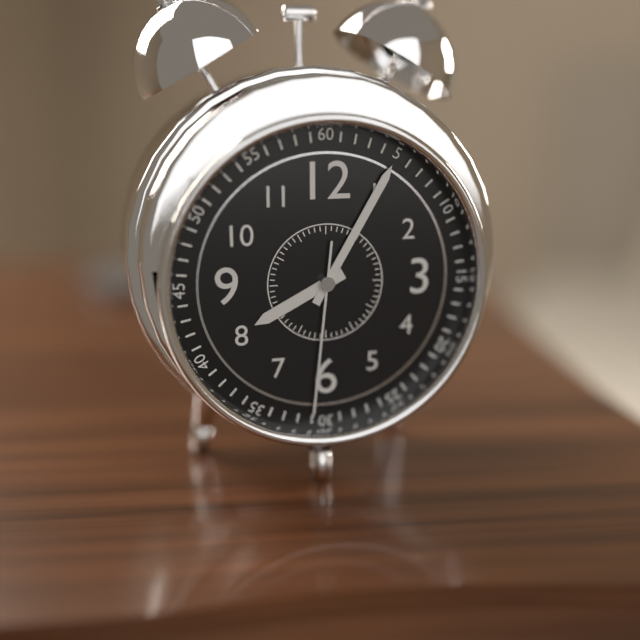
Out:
h=8 m=5 s=31
